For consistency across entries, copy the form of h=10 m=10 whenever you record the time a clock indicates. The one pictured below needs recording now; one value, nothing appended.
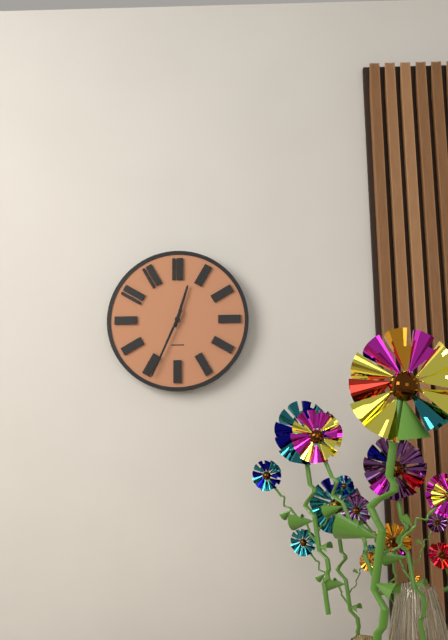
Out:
h=12 m=34
